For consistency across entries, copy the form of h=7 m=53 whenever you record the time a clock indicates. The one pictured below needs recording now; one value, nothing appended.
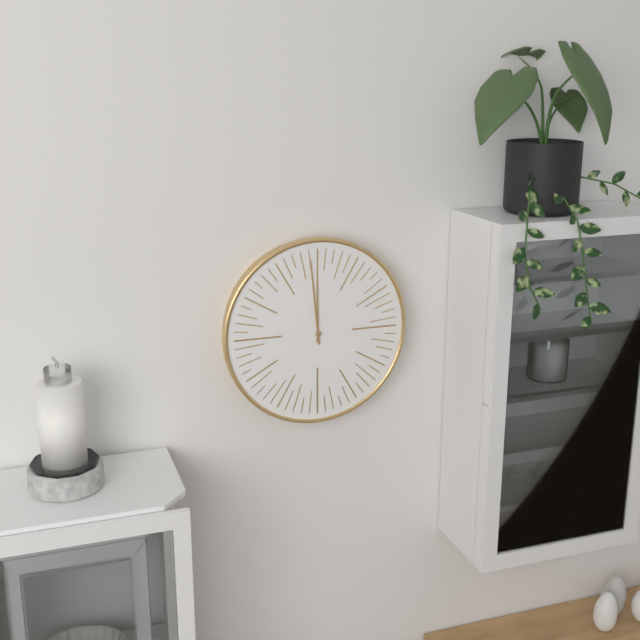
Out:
h=11 m=59
